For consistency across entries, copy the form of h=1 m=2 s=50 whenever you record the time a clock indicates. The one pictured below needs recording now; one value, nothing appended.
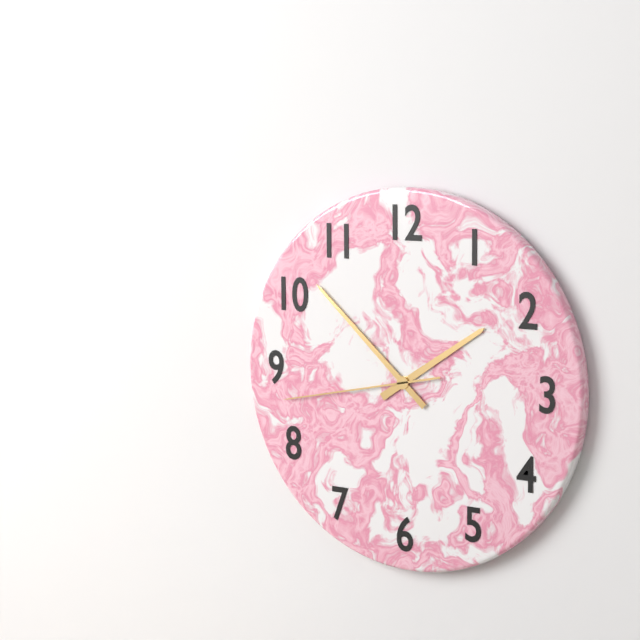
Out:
h=1 m=52 s=43
